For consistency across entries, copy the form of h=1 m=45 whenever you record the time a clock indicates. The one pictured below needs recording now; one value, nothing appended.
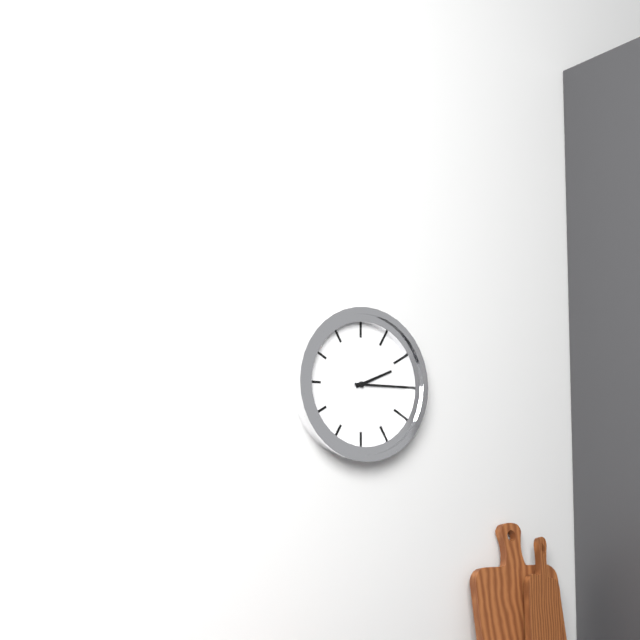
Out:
h=2 m=15
